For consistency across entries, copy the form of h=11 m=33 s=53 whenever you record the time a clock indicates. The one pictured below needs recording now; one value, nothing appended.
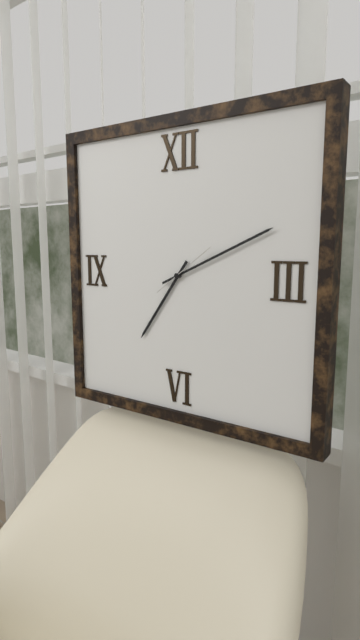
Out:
h=7 m=11 s=9
